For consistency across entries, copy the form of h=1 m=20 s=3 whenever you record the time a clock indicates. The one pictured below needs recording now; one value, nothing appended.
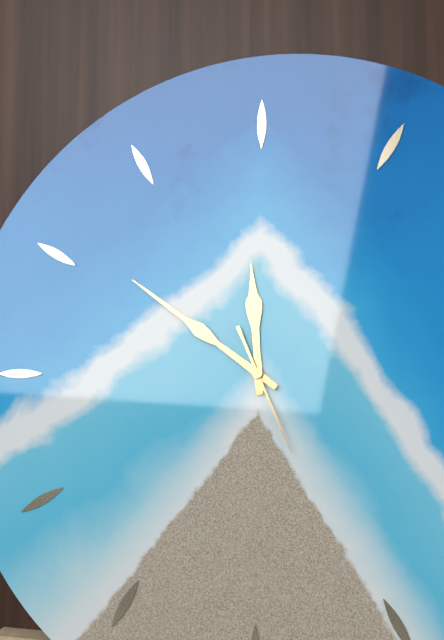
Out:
h=11 m=51 s=26
